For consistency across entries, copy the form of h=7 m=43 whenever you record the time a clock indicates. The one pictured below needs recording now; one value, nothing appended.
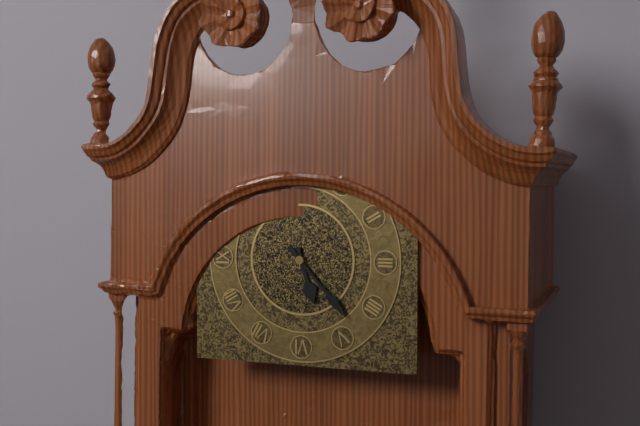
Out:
h=5 m=23
